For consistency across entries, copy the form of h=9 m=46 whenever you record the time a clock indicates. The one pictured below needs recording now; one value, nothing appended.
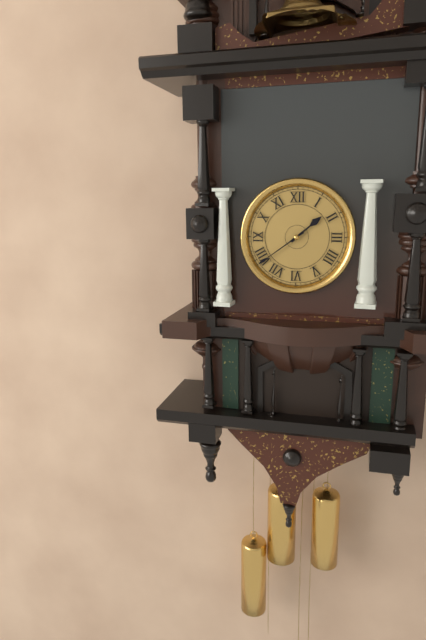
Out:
h=1 m=39
